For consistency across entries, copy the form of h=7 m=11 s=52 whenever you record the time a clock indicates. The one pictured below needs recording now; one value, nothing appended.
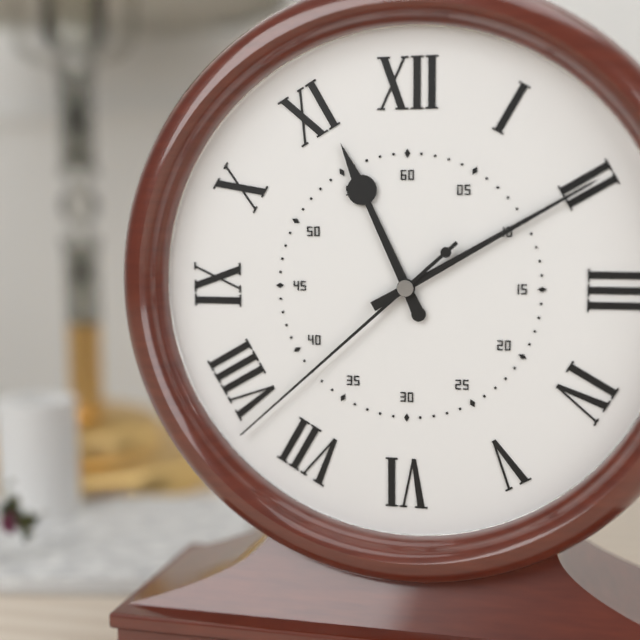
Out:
h=11 m=10 s=38
